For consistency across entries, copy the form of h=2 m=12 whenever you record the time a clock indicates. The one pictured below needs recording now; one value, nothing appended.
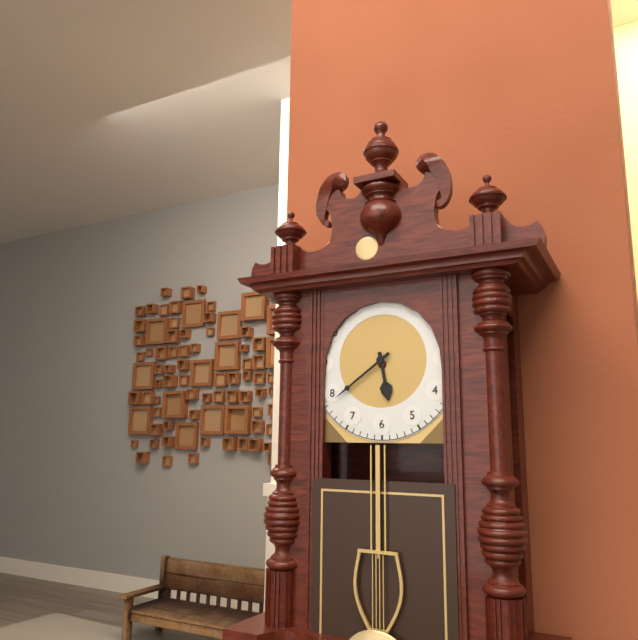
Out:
h=5 m=39
